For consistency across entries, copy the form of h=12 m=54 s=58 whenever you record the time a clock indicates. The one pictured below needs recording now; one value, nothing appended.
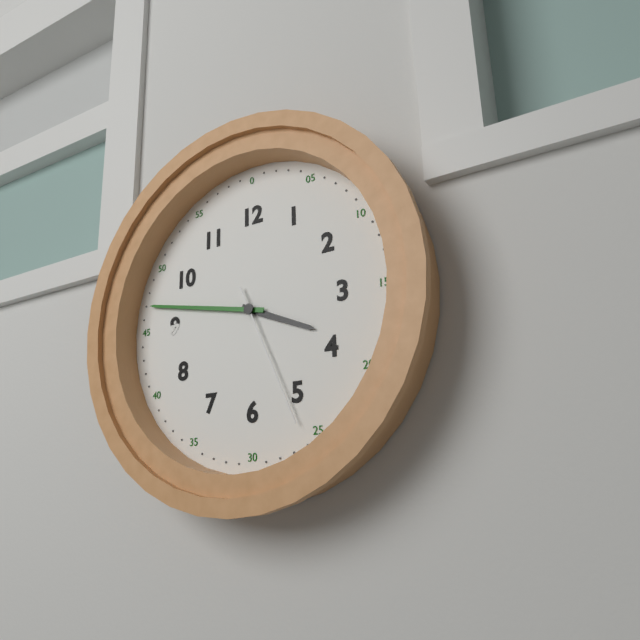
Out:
h=3 m=47 s=26
